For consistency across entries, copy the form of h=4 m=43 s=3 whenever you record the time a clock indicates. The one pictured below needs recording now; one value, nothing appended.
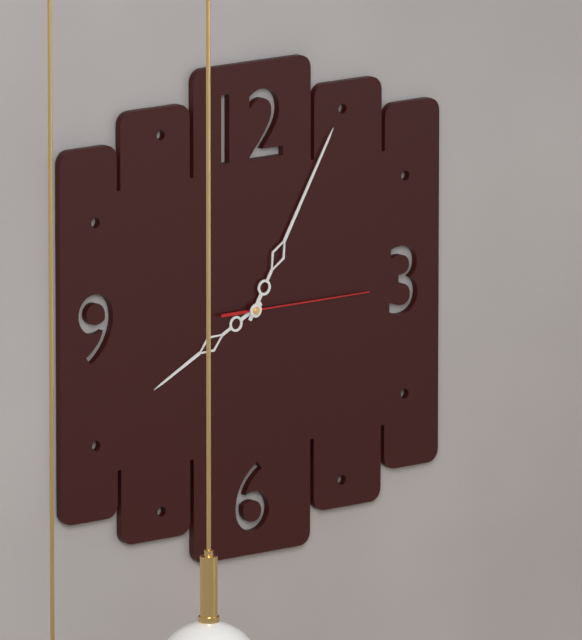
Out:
h=8 m=5 s=15
